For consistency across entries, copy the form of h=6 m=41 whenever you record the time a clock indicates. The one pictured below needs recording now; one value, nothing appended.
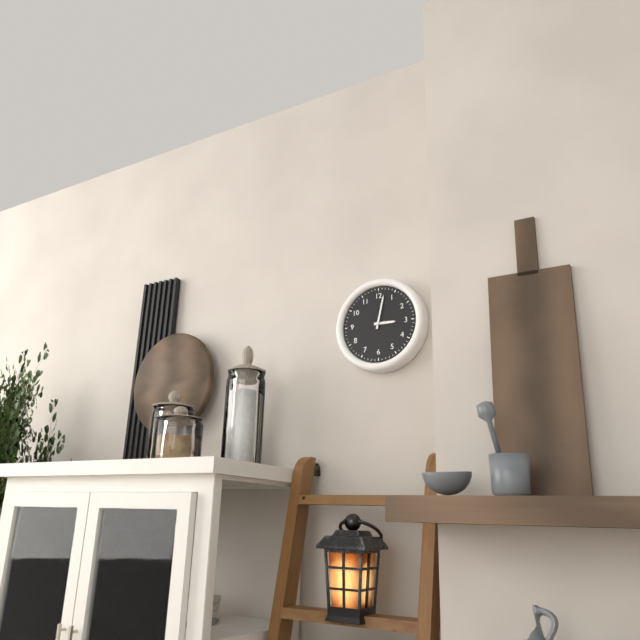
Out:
h=3 m=2
